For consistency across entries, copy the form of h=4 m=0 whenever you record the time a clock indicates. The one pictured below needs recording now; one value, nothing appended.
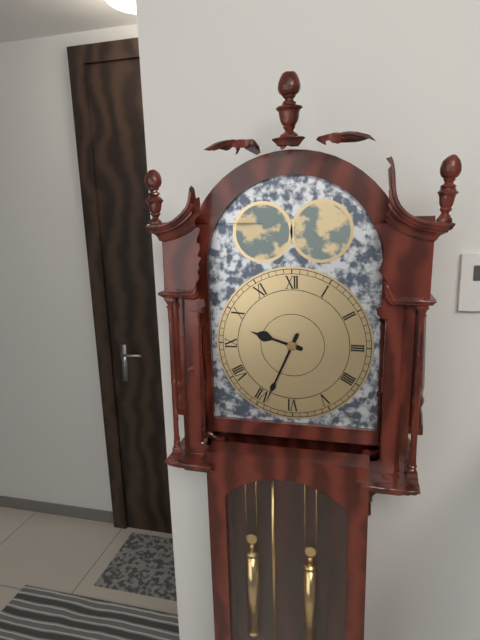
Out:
h=9 m=34
